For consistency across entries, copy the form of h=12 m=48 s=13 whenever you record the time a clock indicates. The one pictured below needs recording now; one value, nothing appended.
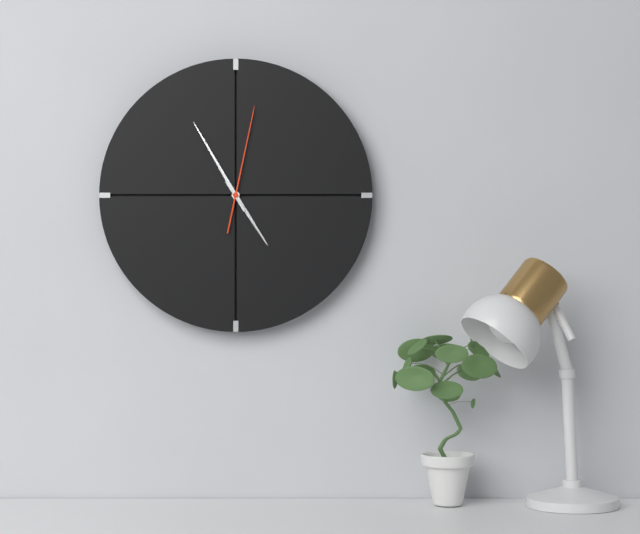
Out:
h=4 m=55 s=2
